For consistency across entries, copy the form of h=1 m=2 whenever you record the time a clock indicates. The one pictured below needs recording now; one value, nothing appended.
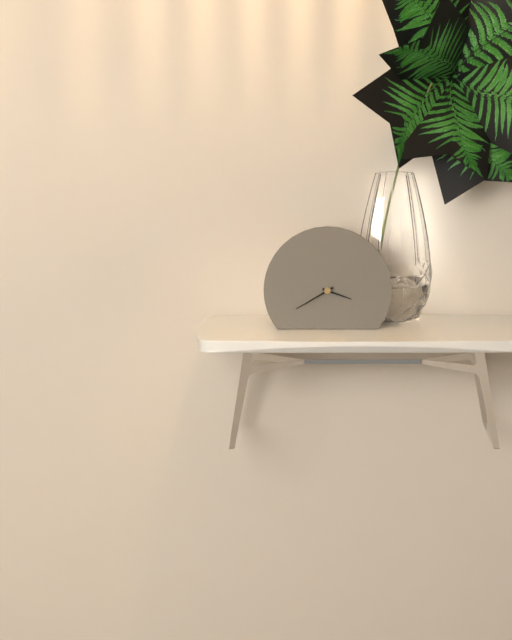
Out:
h=3 m=40
